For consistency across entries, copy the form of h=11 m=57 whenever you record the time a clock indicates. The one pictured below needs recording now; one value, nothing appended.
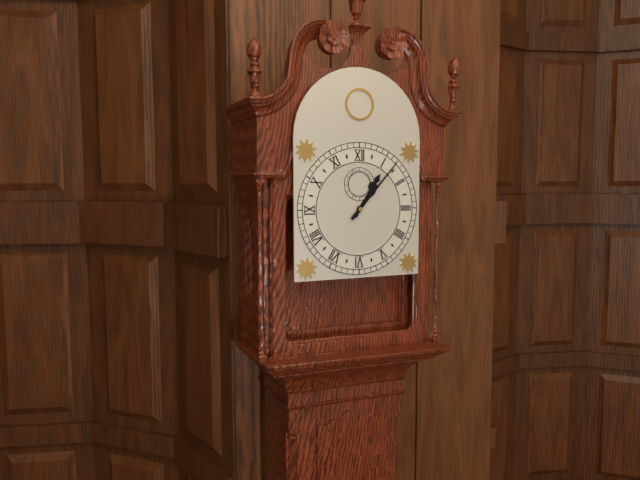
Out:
h=1 m=7
